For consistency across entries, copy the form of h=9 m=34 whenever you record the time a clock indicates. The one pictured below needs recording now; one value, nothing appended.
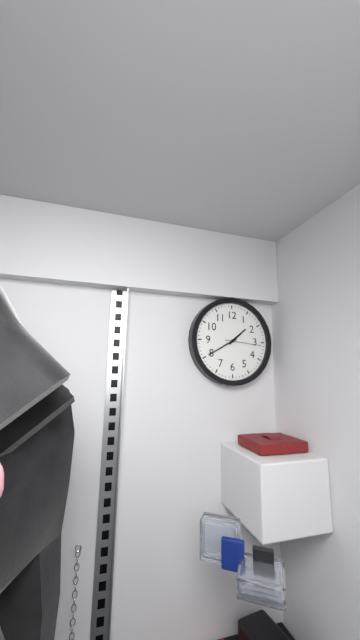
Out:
h=1 m=40
